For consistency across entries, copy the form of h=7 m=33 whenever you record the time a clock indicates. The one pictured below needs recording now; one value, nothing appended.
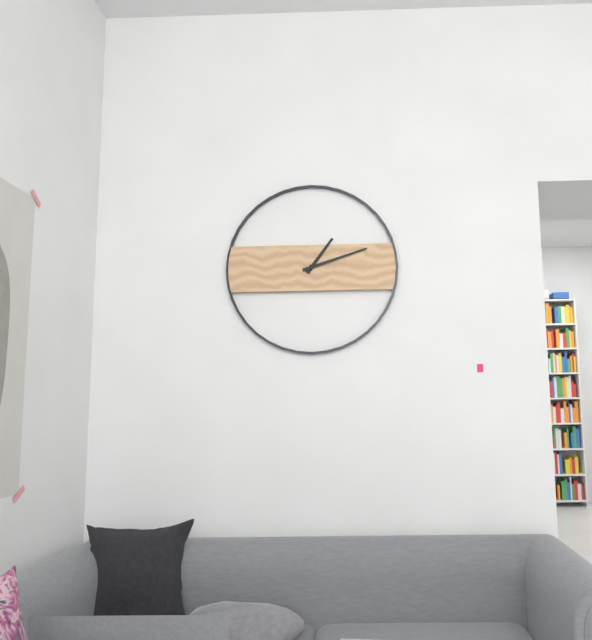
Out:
h=1 m=12
